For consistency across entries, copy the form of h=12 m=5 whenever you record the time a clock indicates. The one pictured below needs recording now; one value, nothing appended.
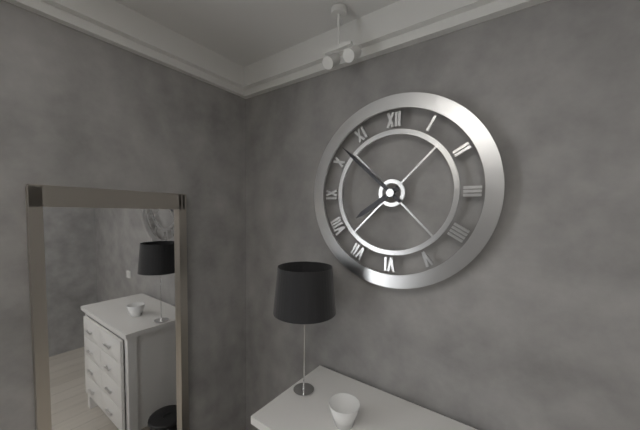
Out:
h=7 m=52
